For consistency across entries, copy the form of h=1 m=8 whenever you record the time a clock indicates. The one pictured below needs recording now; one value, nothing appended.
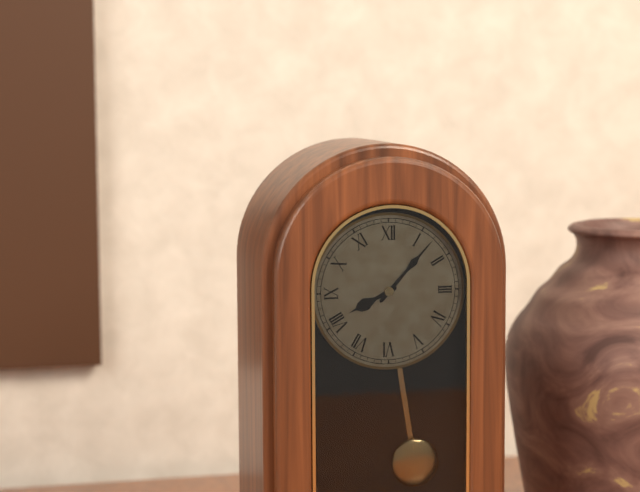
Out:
h=8 m=7
